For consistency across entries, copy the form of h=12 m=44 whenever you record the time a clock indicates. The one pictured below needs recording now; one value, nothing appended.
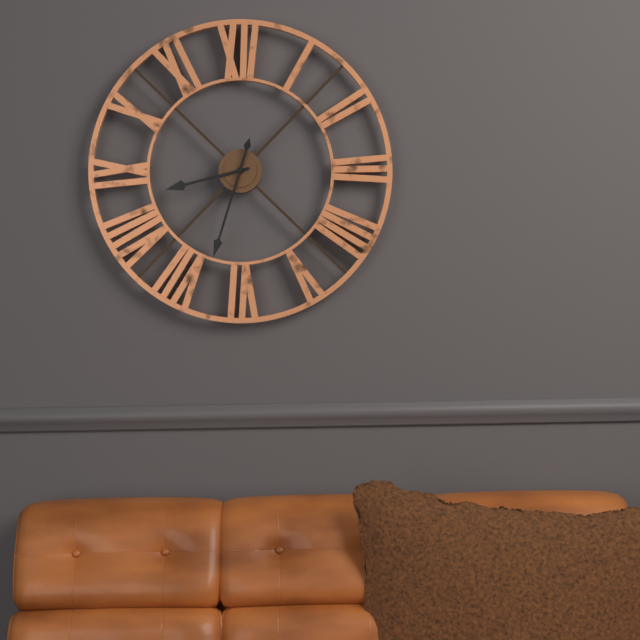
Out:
h=8 m=33
